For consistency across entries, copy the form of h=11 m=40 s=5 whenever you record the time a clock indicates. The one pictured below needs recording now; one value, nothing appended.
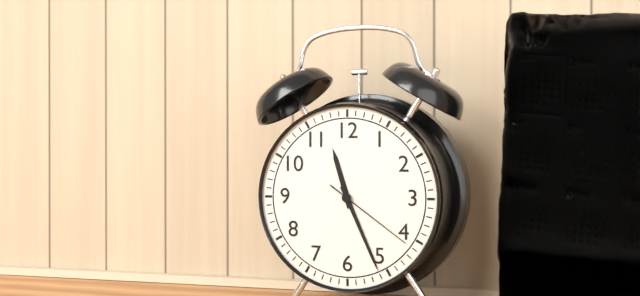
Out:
h=11 m=26 s=21
